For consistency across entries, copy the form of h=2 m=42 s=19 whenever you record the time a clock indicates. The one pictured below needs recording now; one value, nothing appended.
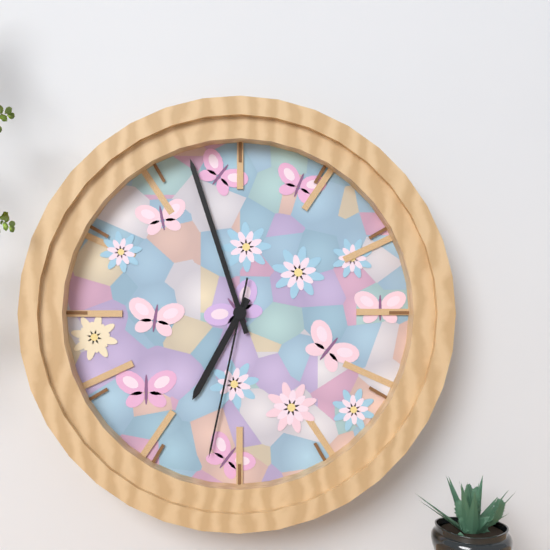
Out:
h=6 m=57 s=32
